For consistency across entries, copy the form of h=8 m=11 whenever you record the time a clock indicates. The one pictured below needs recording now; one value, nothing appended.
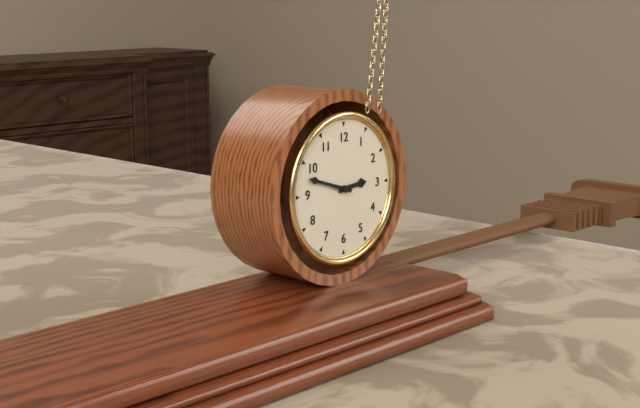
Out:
h=2 m=48
